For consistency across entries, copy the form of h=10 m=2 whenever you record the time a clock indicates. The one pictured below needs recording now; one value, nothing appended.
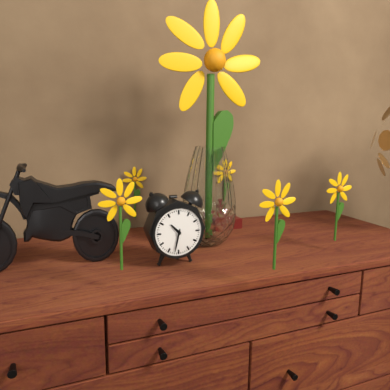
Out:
h=10 m=32
